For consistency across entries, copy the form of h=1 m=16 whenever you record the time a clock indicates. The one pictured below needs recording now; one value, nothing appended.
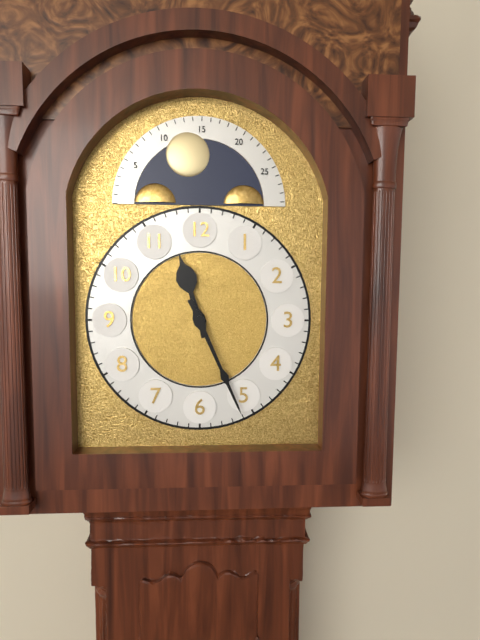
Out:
h=11 m=26
